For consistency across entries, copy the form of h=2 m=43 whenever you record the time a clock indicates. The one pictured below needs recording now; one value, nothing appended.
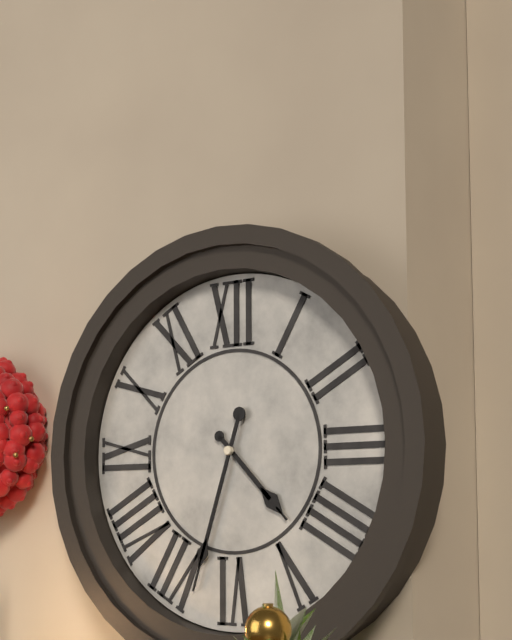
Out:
h=4 m=33
